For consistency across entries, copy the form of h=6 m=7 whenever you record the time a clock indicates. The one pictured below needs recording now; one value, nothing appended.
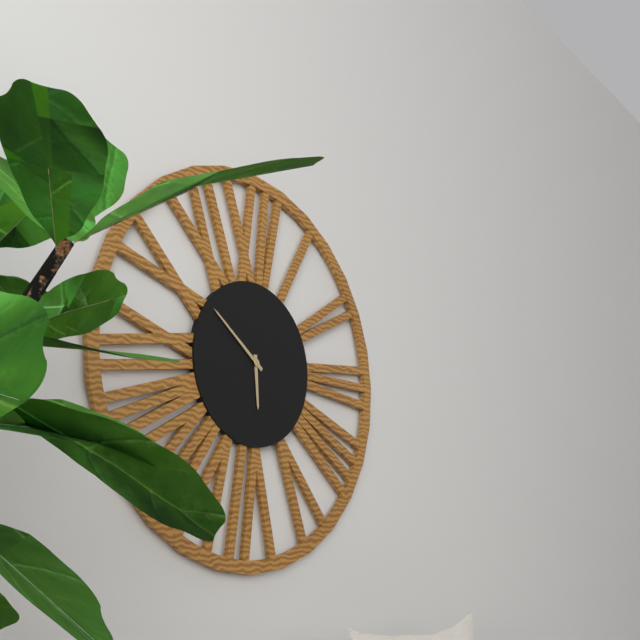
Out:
h=5 m=51
